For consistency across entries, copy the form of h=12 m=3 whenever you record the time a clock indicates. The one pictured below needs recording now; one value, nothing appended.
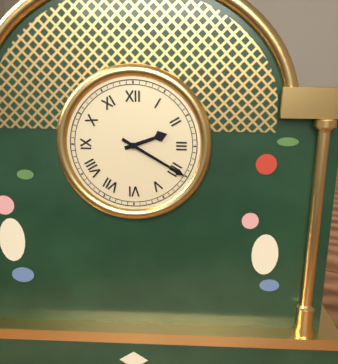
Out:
h=2 m=20
